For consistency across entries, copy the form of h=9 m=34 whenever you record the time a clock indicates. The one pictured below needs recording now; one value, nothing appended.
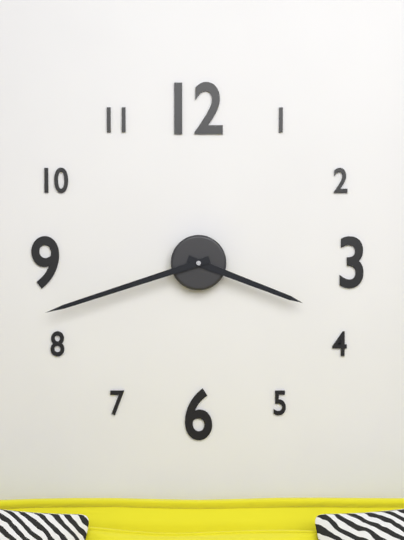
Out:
h=3 m=42
